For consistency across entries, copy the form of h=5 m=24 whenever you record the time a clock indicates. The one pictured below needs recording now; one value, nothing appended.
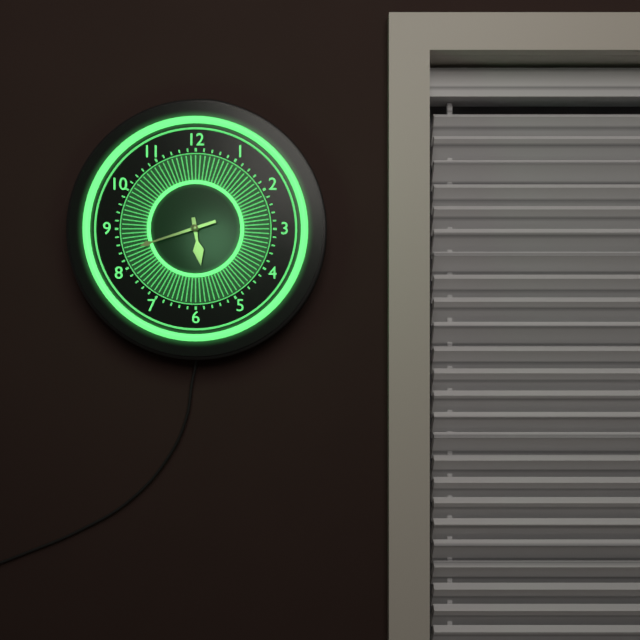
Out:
h=5 m=42
